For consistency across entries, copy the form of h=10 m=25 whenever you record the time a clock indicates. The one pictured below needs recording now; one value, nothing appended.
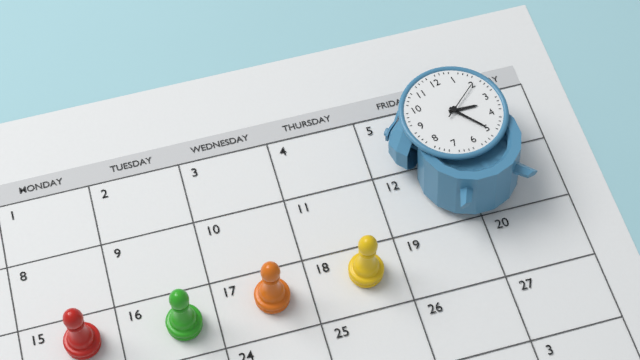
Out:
h=3 m=25
